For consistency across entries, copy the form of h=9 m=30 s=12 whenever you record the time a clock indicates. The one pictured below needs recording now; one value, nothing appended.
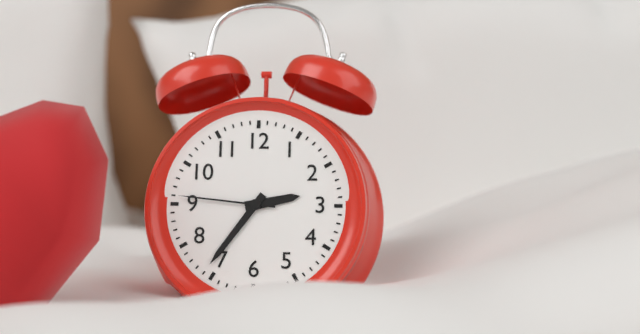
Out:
h=2 m=36 s=46
